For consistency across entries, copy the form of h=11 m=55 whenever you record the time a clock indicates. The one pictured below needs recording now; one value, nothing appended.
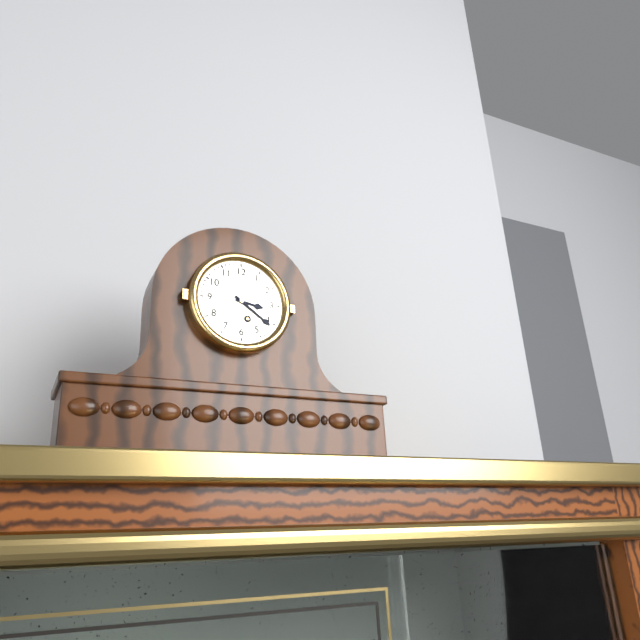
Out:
h=3 m=21
